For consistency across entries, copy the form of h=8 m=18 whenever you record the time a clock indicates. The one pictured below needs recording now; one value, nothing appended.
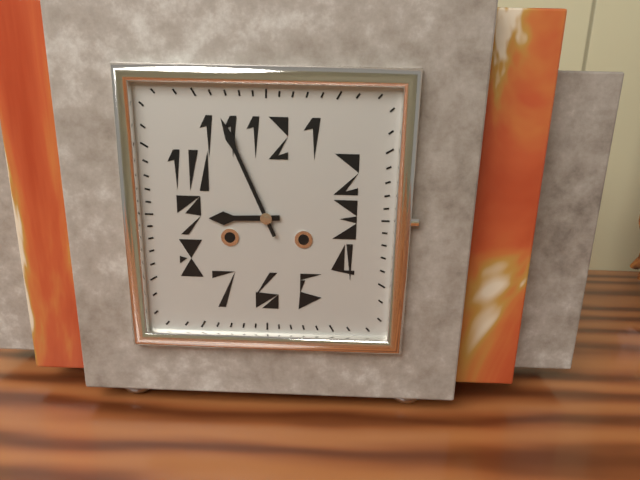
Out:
h=8 m=56
